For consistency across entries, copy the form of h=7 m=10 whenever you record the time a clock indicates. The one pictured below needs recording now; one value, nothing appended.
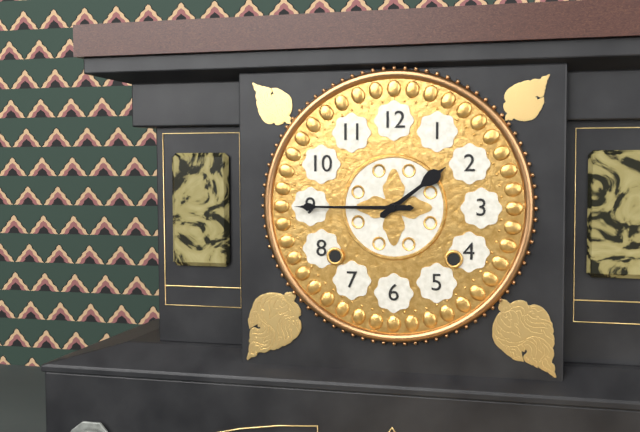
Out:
h=1 m=45
